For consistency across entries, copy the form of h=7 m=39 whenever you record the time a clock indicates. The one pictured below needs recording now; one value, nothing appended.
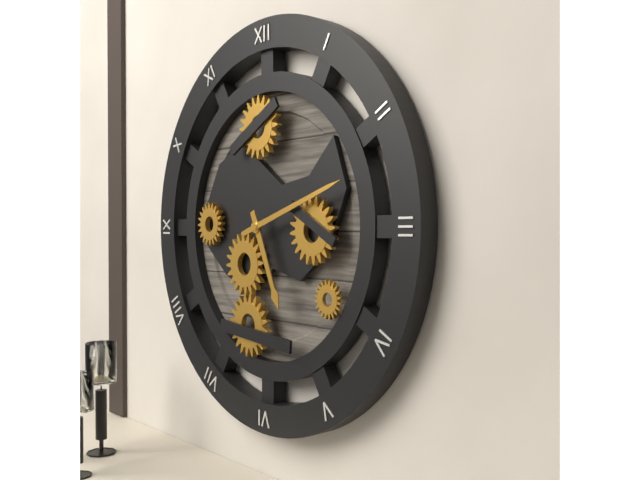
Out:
h=5 m=12
